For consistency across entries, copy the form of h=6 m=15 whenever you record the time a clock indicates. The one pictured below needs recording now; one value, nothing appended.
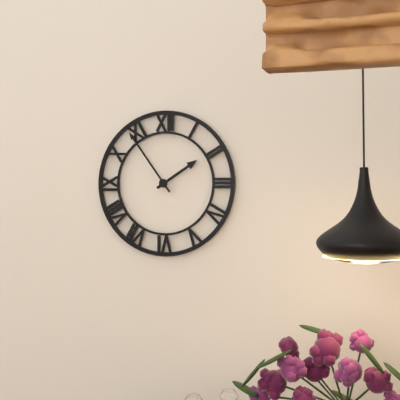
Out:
h=1 m=54
